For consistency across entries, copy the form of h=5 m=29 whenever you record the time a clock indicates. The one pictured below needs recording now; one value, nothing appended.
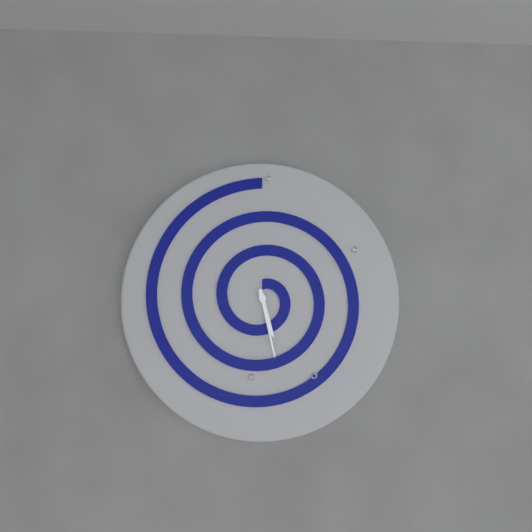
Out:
h=5 m=28
